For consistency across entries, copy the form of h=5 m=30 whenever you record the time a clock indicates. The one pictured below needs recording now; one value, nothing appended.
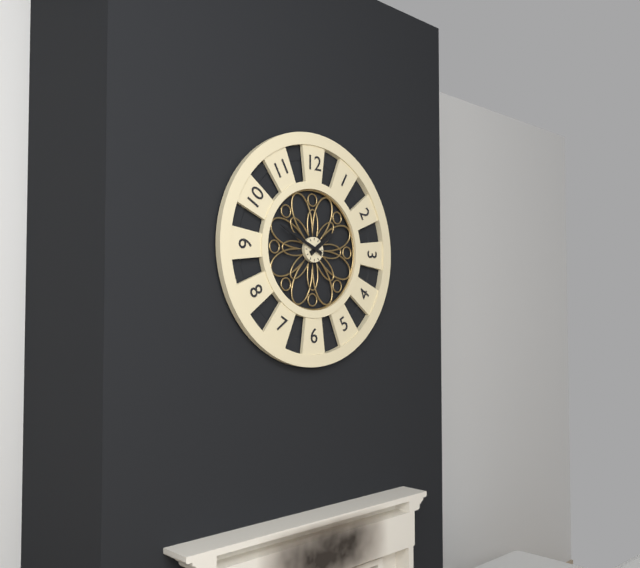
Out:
h=1 m=49
